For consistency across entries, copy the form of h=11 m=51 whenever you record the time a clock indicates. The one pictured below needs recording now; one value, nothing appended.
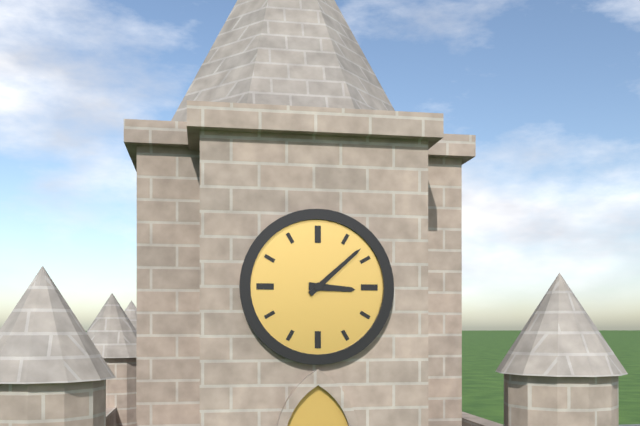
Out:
h=3 m=8
